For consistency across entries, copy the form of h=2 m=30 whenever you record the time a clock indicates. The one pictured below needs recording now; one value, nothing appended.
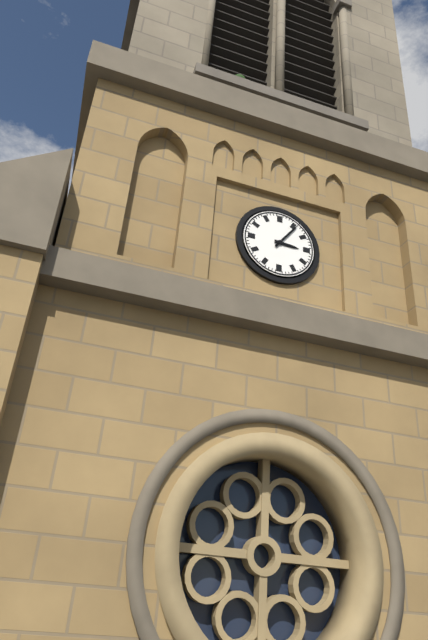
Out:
h=3 m=6
